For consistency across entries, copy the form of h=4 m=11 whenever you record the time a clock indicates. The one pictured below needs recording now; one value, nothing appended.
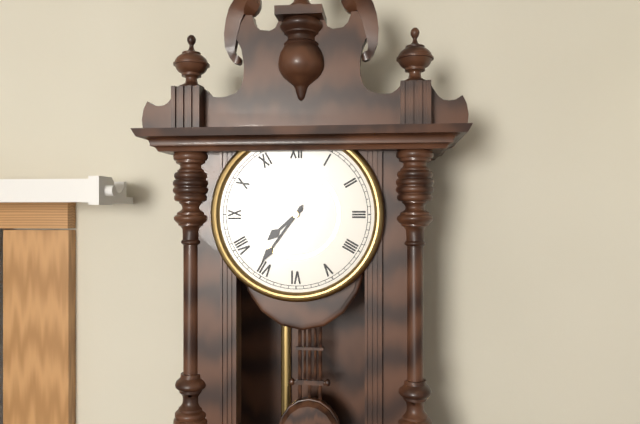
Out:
h=7 m=36
